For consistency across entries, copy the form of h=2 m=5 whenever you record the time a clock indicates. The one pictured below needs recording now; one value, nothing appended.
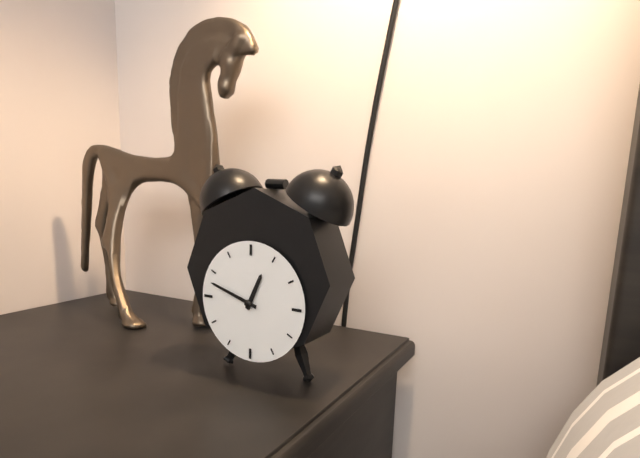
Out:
h=12 m=48
